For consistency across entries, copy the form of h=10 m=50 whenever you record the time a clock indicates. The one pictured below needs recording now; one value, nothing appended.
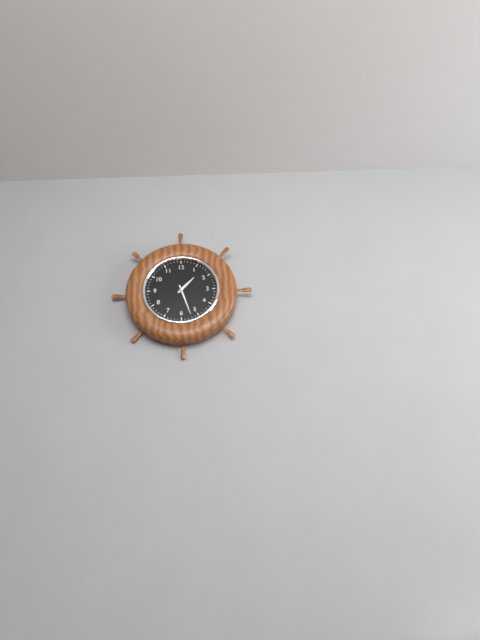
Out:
h=1 m=27
